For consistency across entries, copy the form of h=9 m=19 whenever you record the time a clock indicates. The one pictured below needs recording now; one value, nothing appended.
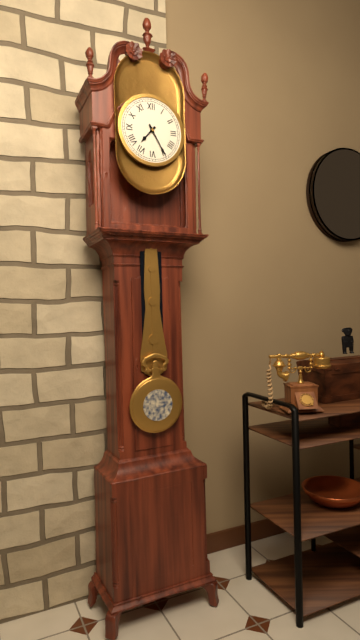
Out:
h=7 m=25
